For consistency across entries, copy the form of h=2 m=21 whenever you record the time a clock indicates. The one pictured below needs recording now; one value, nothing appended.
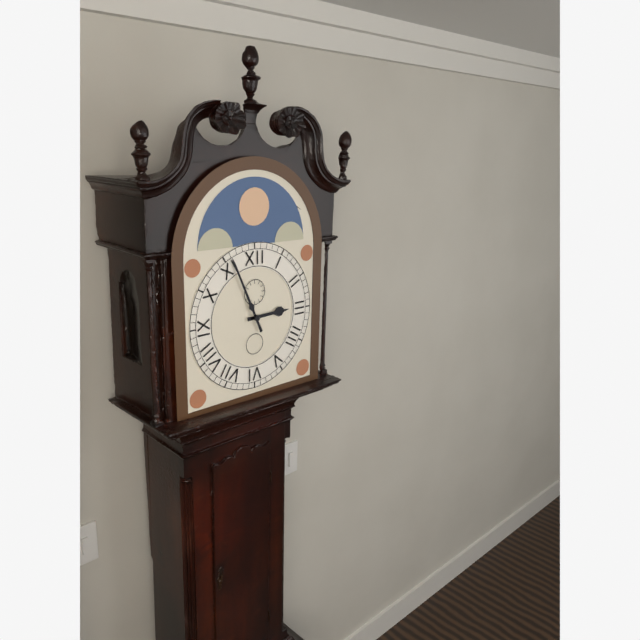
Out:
h=2 m=56
